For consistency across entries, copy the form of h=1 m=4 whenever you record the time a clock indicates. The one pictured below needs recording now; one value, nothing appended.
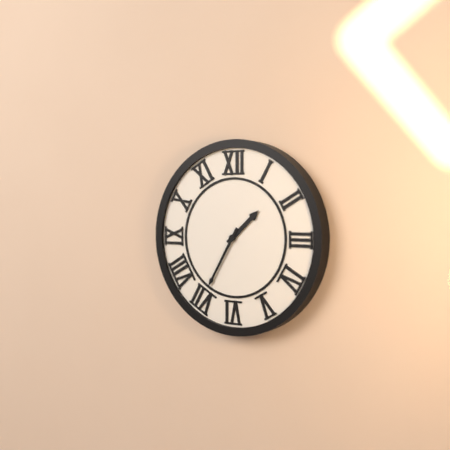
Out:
h=1 m=35
